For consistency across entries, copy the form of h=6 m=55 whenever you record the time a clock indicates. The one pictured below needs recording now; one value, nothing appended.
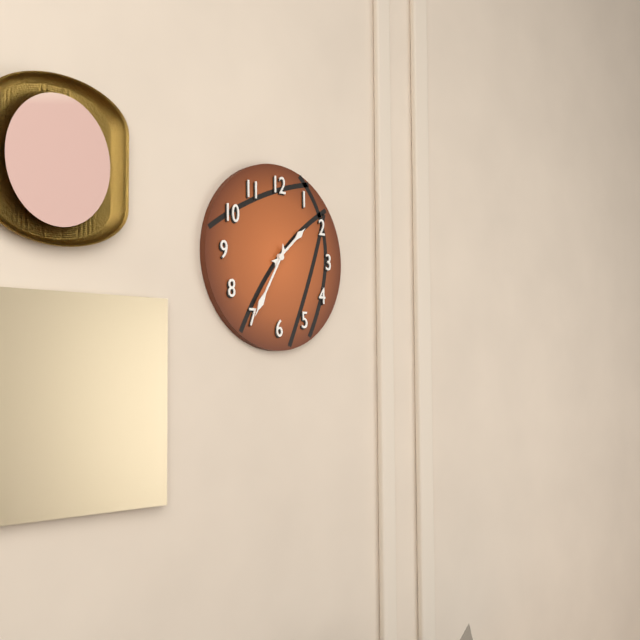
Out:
h=1 m=35
